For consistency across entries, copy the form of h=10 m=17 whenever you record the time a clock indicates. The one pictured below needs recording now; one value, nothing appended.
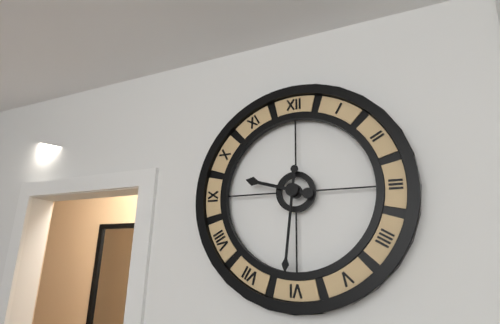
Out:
h=9 m=31
